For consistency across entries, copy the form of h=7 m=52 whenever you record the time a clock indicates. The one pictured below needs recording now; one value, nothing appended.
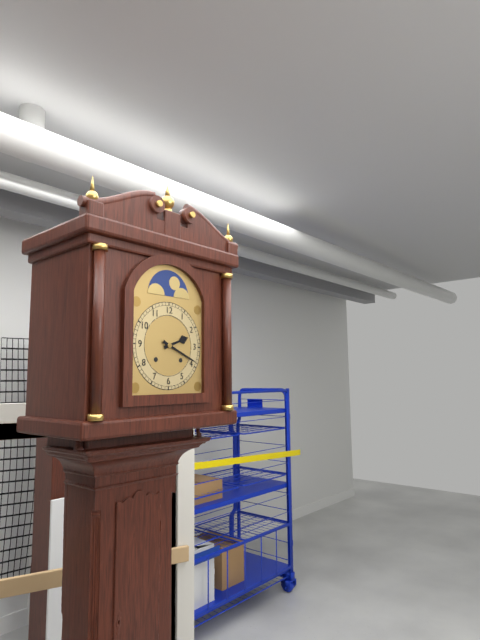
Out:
h=2 m=19
